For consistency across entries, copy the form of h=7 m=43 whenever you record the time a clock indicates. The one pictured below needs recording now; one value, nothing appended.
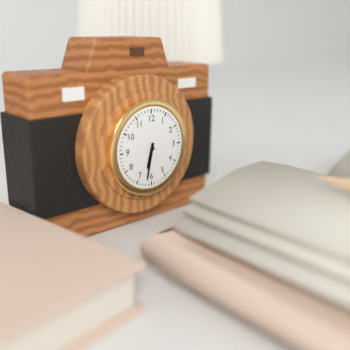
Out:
h=6 m=32
